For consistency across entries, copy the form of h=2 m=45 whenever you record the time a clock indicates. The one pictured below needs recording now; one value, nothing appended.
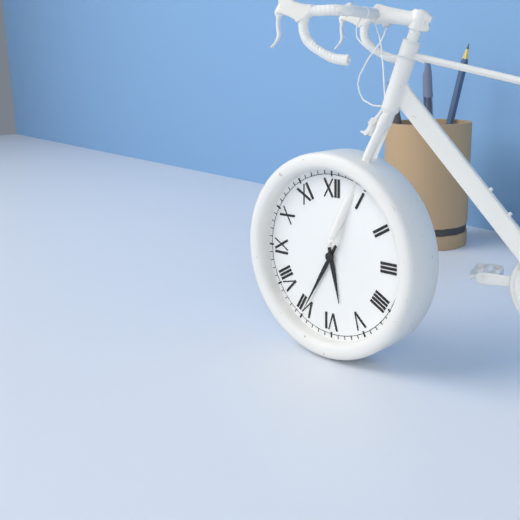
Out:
h=5 m=35
